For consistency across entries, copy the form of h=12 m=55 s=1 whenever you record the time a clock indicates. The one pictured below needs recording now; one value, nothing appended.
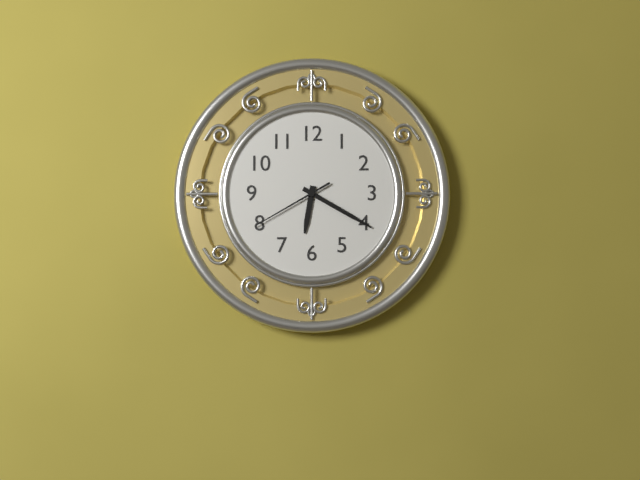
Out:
h=6 m=20 s=40
